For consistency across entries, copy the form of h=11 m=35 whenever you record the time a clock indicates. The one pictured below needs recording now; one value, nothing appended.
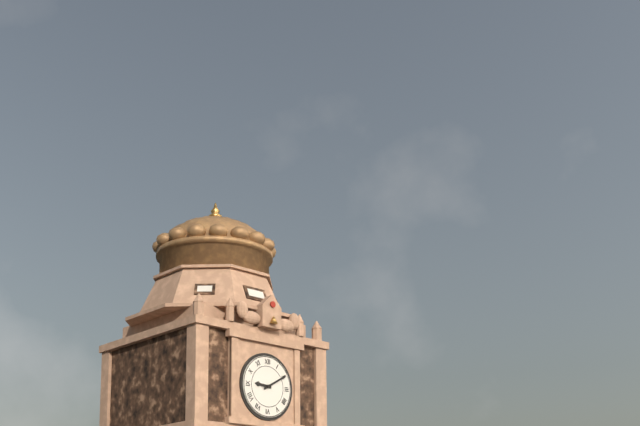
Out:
h=9 m=10
